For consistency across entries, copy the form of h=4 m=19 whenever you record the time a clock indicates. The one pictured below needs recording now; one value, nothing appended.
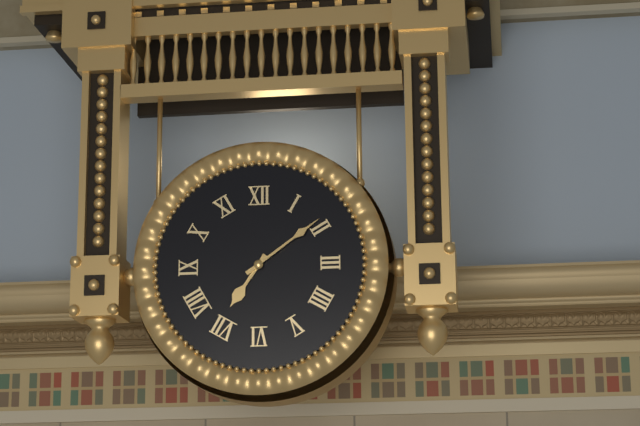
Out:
h=7 m=9
